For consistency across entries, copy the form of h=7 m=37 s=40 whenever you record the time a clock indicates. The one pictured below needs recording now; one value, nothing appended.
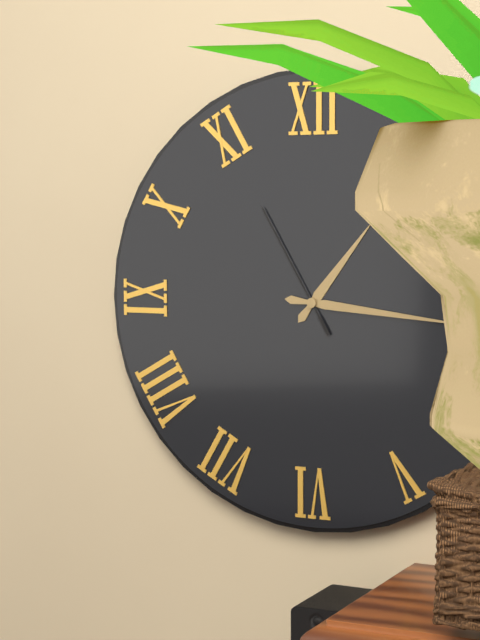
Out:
h=1 m=16 s=55
